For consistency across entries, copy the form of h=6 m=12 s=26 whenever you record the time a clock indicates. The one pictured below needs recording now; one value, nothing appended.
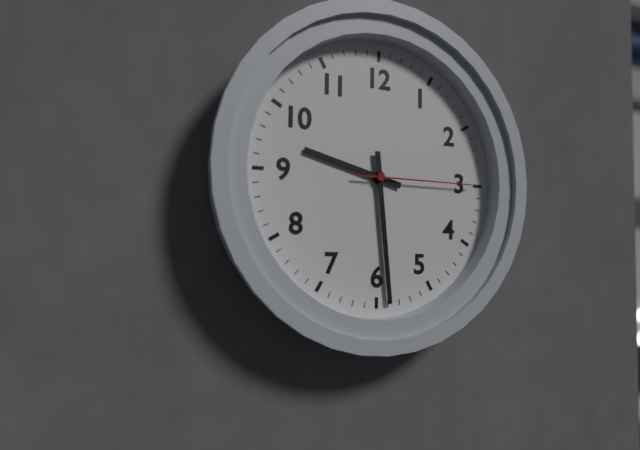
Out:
h=9 m=29 s=15
